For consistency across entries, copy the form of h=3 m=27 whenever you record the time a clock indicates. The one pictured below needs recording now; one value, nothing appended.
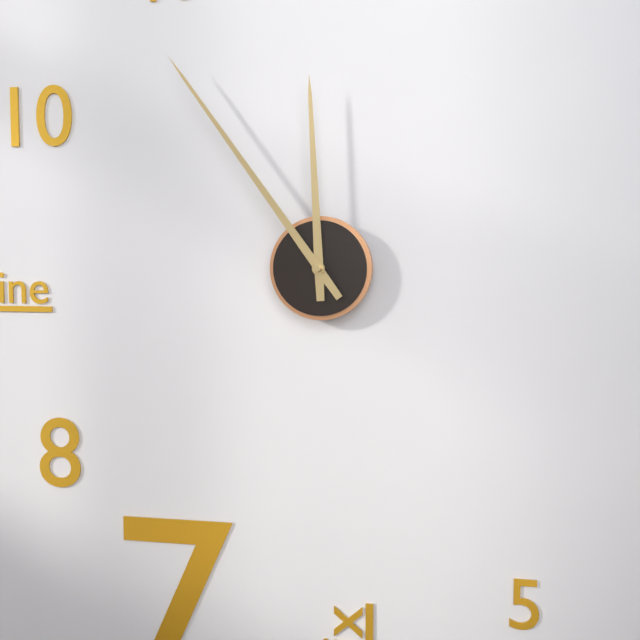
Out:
h=11 m=54
